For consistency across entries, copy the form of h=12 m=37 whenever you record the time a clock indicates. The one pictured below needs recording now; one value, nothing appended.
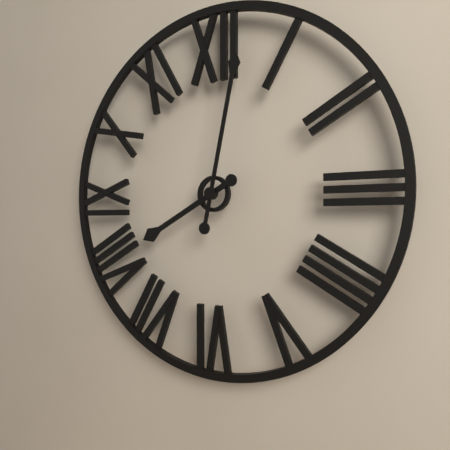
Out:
h=8 m=2
